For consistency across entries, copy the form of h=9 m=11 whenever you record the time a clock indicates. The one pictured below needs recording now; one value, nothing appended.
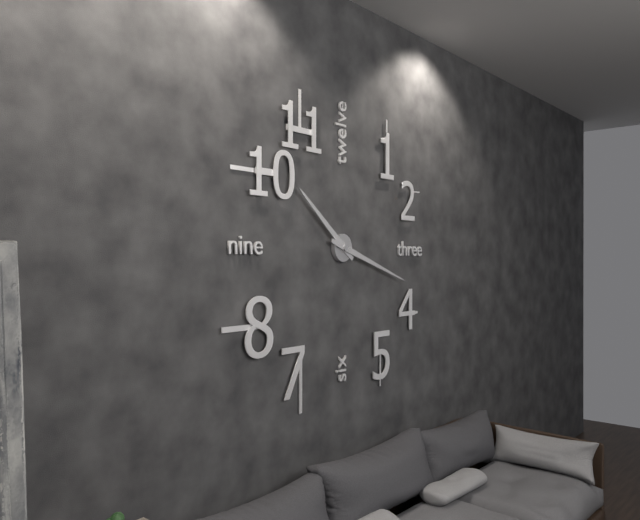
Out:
h=10 m=18
